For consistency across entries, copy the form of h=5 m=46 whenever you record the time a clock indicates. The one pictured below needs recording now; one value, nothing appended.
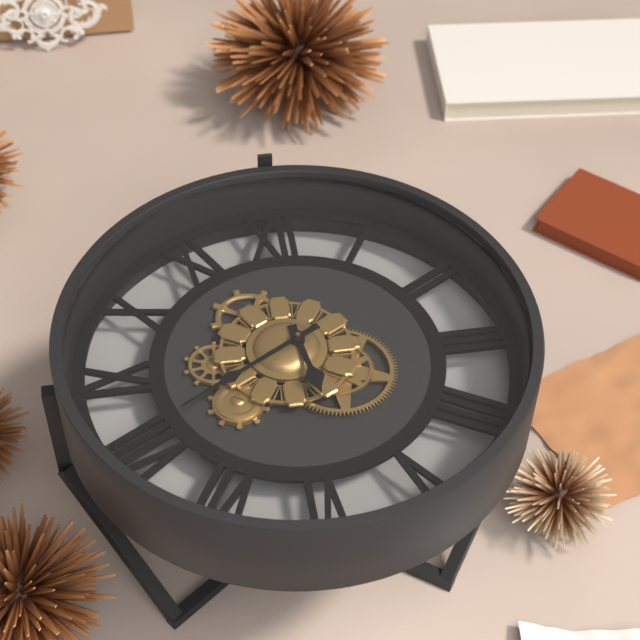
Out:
h=5 m=40
